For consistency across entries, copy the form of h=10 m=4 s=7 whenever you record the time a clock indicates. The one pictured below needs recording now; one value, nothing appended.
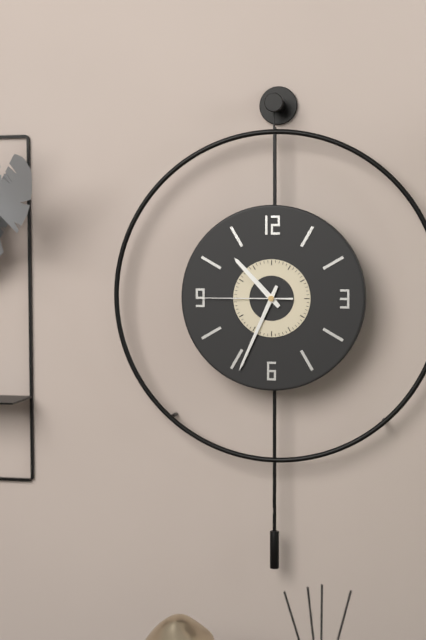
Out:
h=10 m=34 s=45
